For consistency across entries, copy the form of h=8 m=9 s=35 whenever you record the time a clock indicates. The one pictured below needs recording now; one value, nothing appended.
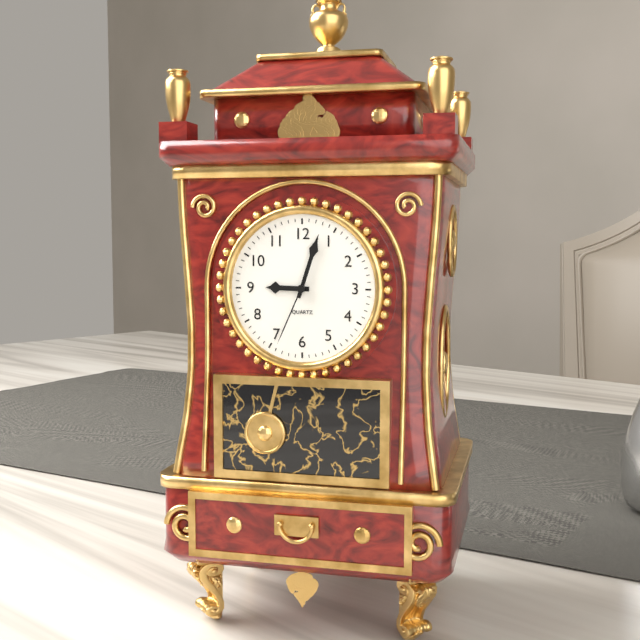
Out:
h=9 m=3 s=34
